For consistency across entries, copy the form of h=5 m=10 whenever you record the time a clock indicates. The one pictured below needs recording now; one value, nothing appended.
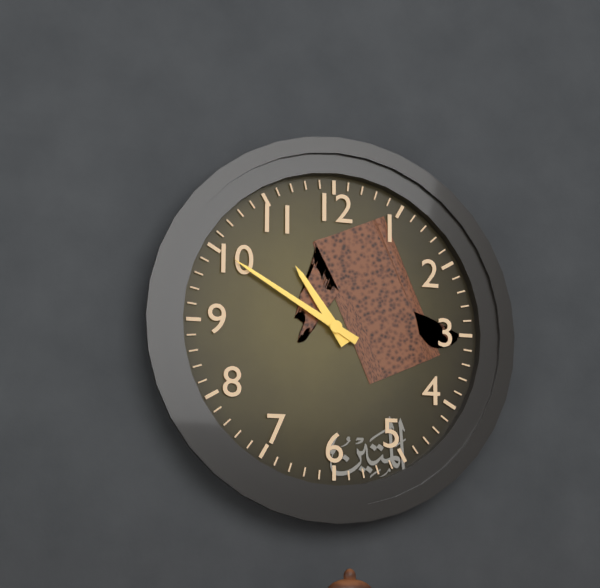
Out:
h=10 m=50
